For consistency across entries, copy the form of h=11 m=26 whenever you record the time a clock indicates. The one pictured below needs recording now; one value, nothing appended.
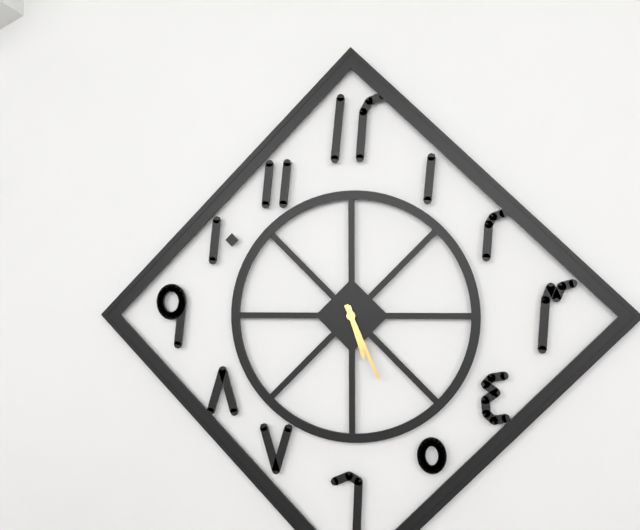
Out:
h=5 m=26
